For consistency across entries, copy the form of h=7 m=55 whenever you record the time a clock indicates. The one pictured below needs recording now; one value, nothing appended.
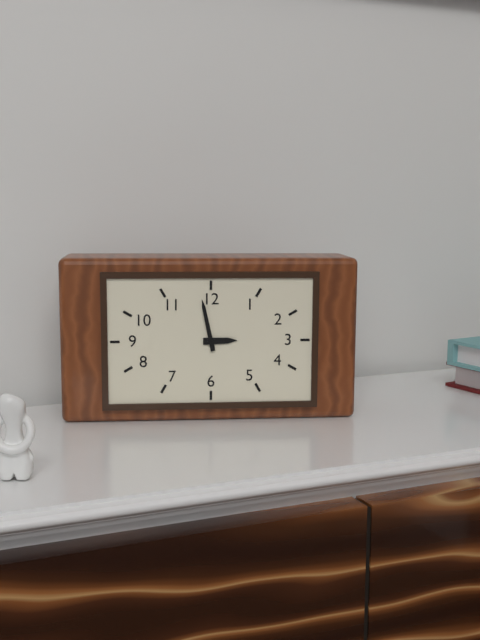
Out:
h=2 m=58
